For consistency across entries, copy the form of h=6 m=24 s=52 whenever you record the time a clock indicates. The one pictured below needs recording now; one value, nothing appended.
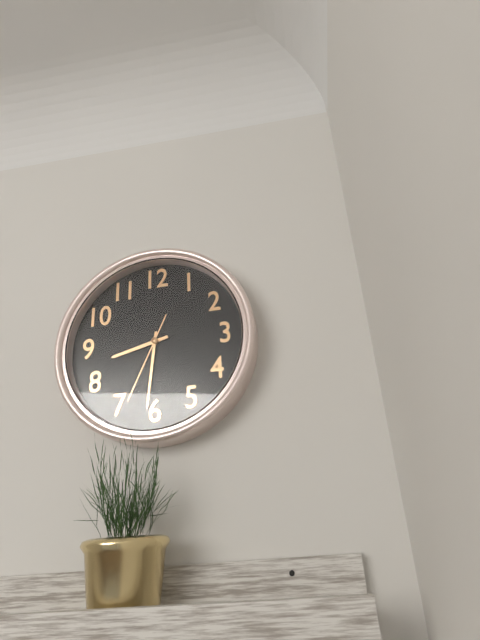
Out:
h=8 m=31 s=34
